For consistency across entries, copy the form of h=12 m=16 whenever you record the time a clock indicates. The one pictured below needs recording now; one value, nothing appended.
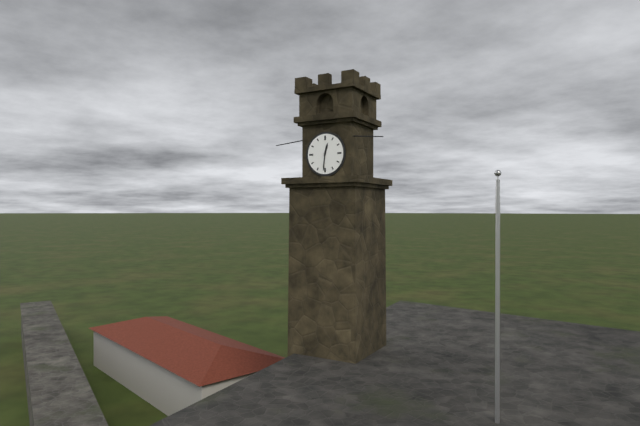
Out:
h=12 m=31
